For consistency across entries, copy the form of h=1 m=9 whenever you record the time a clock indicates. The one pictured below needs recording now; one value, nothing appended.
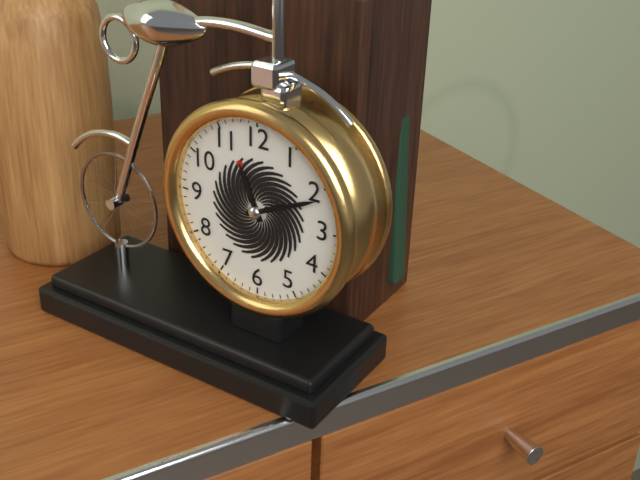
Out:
h=11 m=11
